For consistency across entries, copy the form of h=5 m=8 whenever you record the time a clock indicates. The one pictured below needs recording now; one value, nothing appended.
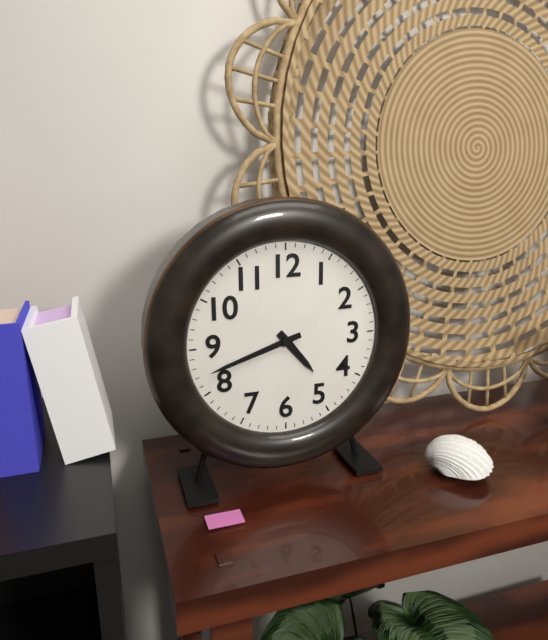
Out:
h=4 m=42
